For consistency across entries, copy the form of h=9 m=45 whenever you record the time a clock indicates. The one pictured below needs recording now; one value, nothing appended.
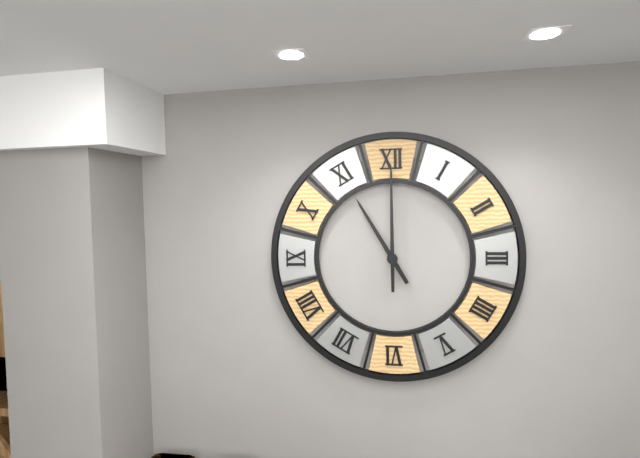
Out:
h=11 m=0
